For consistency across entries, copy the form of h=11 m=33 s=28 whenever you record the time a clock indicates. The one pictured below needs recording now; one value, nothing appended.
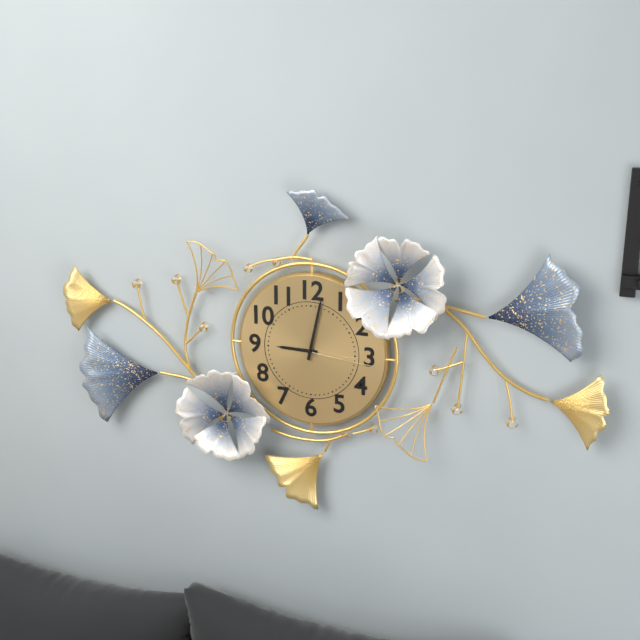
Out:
h=9 m=2 s=16
